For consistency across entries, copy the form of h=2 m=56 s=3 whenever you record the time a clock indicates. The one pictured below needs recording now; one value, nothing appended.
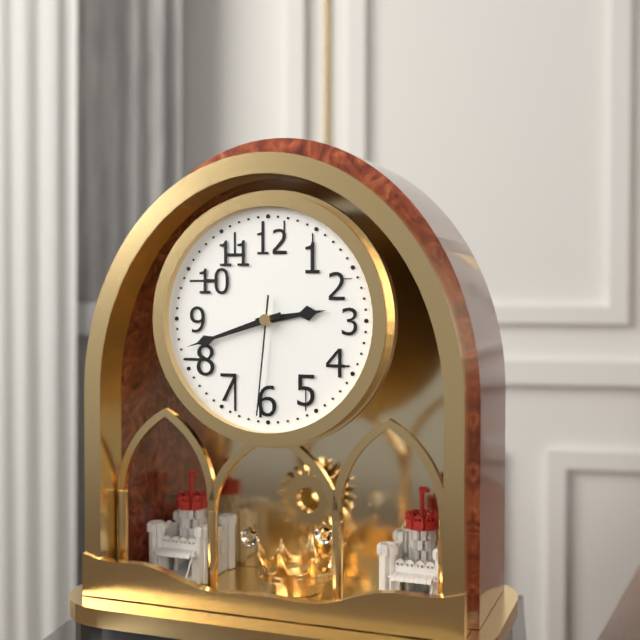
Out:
h=2 m=42 s=31
